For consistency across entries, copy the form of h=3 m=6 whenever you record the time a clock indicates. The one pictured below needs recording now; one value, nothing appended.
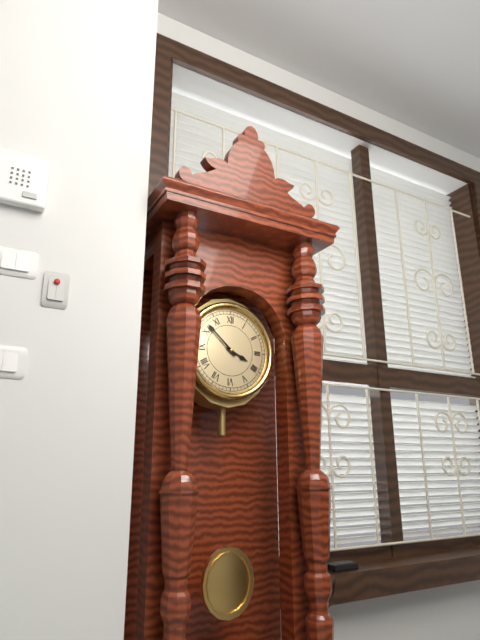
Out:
h=3 m=52
